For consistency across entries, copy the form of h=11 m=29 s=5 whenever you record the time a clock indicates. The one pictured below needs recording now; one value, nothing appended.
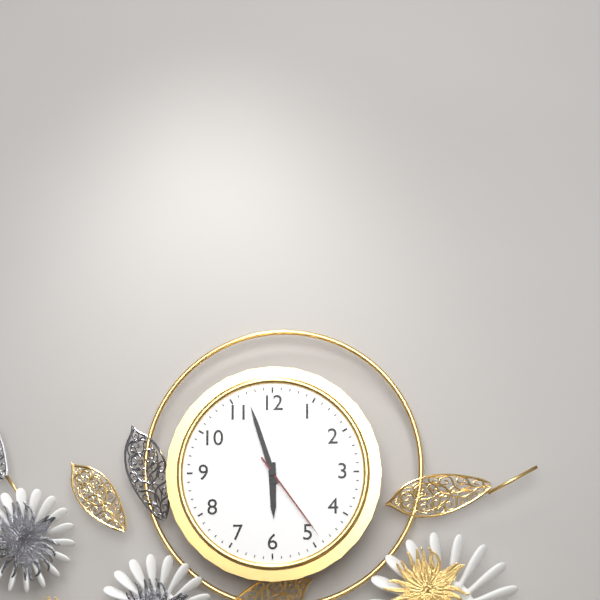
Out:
h=5 m=57 s=24
